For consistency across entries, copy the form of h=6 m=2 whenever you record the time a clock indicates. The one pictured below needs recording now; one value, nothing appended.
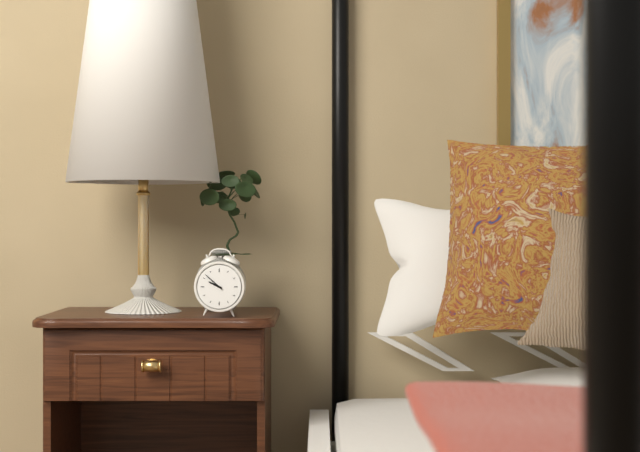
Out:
h=9 m=52
